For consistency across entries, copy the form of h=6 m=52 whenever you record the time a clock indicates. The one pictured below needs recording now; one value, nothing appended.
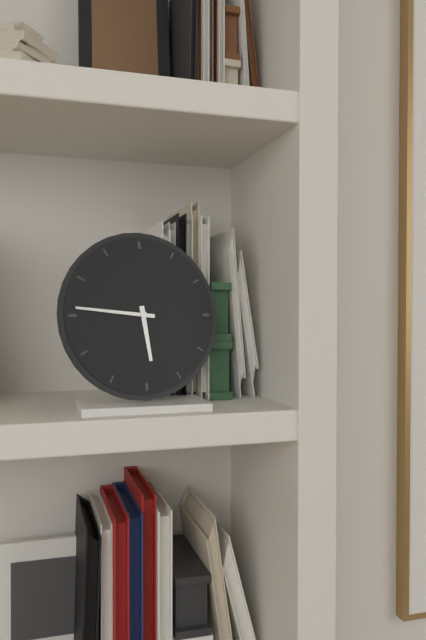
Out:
h=5 m=46
